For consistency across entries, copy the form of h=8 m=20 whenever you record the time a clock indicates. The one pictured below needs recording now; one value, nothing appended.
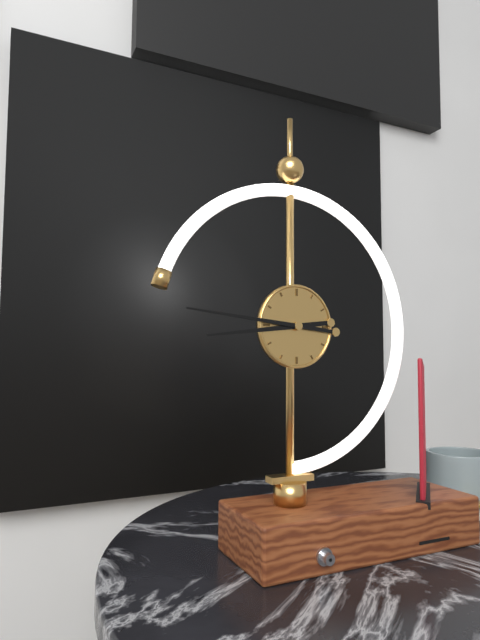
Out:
h=8 m=46
